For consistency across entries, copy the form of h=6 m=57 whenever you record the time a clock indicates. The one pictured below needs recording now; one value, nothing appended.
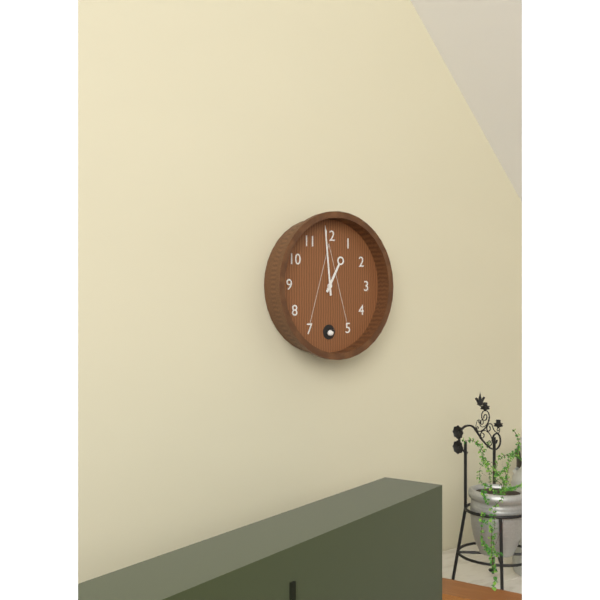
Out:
h=12 m=59
